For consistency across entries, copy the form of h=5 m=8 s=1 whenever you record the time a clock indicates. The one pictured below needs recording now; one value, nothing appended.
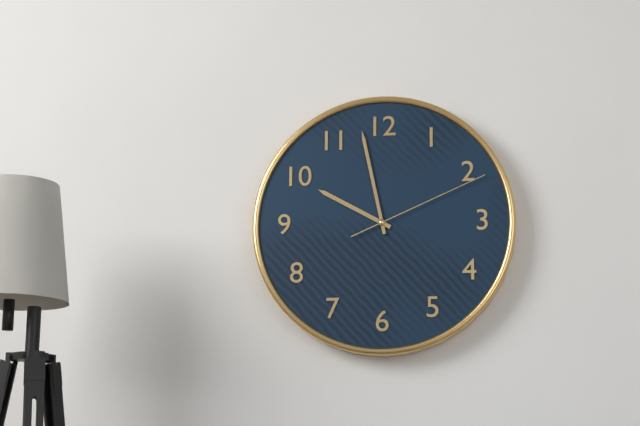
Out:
h=9 m=58 s=11
